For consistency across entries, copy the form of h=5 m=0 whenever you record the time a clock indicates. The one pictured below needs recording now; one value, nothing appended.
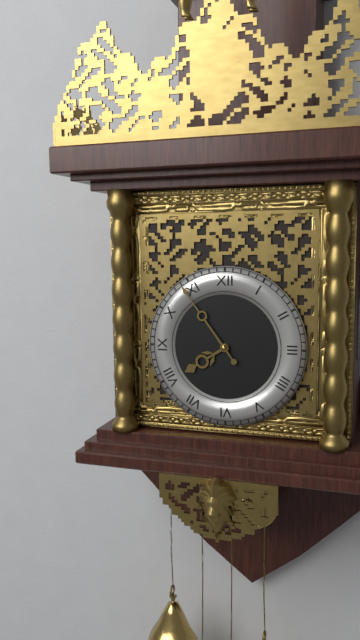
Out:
h=7 m=54
